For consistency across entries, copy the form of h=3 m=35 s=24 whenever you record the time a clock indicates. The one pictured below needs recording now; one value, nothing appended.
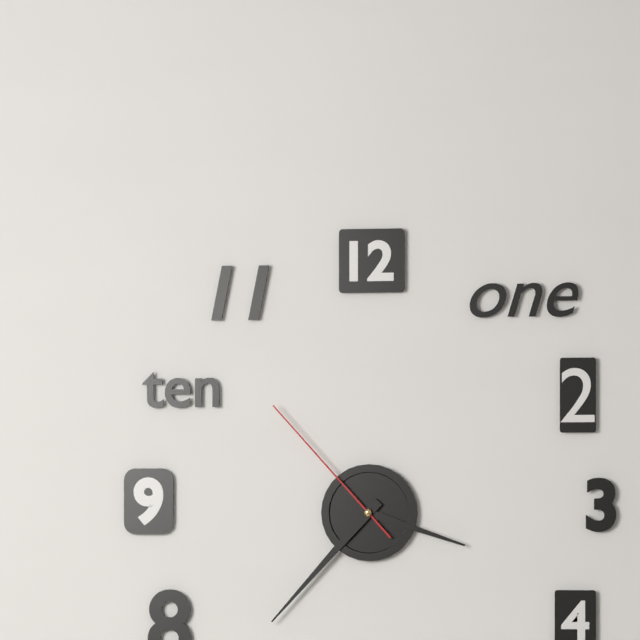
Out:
h=3 m=37 s=53
